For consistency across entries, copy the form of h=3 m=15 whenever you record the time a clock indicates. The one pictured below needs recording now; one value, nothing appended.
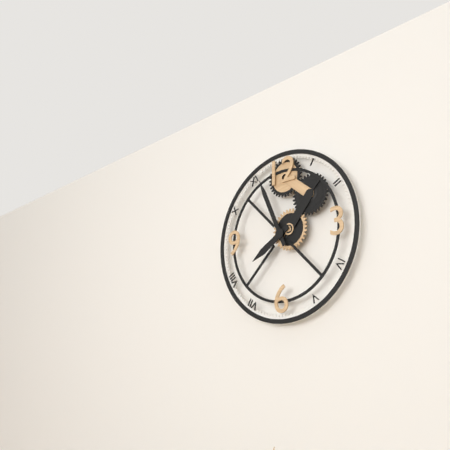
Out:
h=7 m=56
